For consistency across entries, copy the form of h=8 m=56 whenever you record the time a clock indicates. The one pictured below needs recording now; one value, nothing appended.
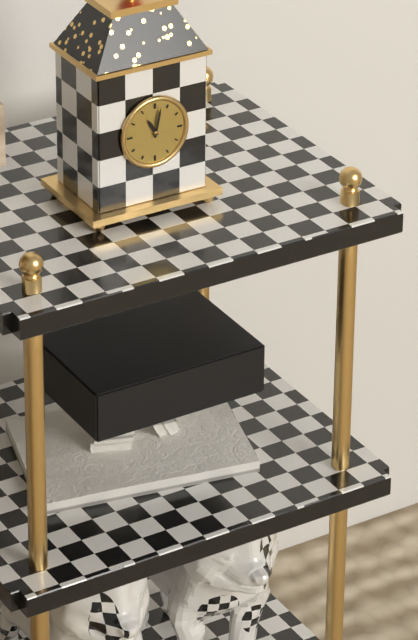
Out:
h=11 m=2
